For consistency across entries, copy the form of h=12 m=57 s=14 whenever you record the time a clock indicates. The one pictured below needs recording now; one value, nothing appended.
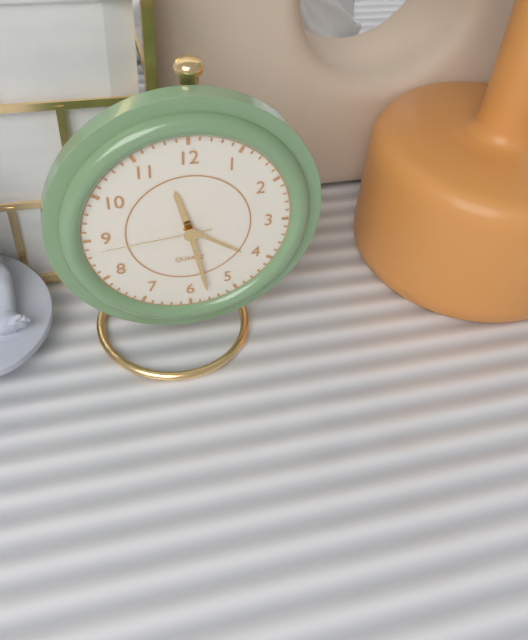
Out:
h=11 m=28 s=44
